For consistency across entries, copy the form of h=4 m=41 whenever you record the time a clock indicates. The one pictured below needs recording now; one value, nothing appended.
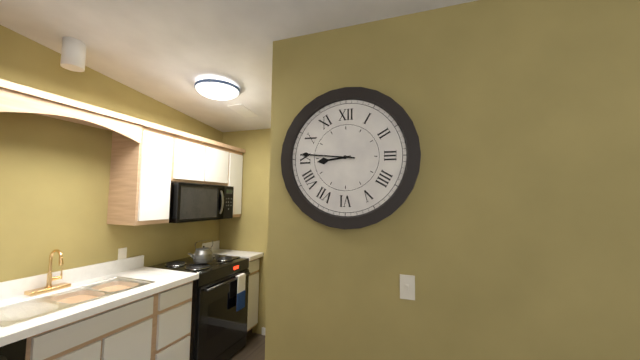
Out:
h=8 m=46
